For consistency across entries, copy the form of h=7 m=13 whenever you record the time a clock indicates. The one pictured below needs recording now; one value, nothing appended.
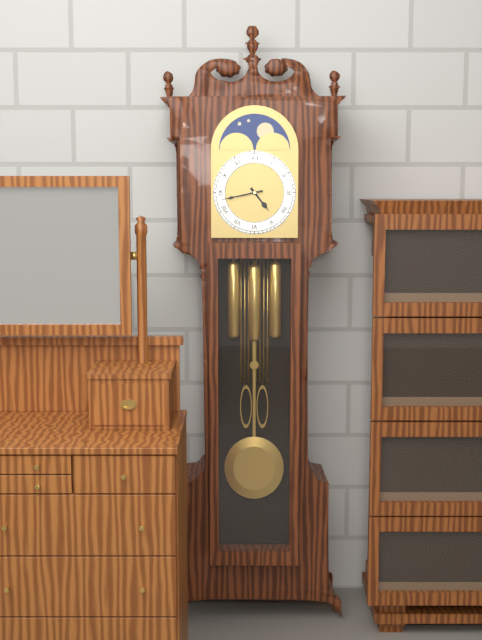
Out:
h=4 m=43
